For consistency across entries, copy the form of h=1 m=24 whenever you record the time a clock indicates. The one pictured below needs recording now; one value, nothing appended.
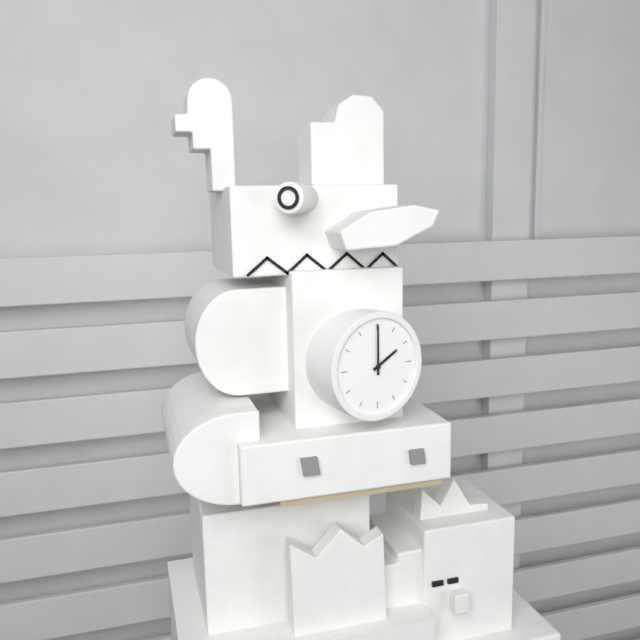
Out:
h=2 m=0
